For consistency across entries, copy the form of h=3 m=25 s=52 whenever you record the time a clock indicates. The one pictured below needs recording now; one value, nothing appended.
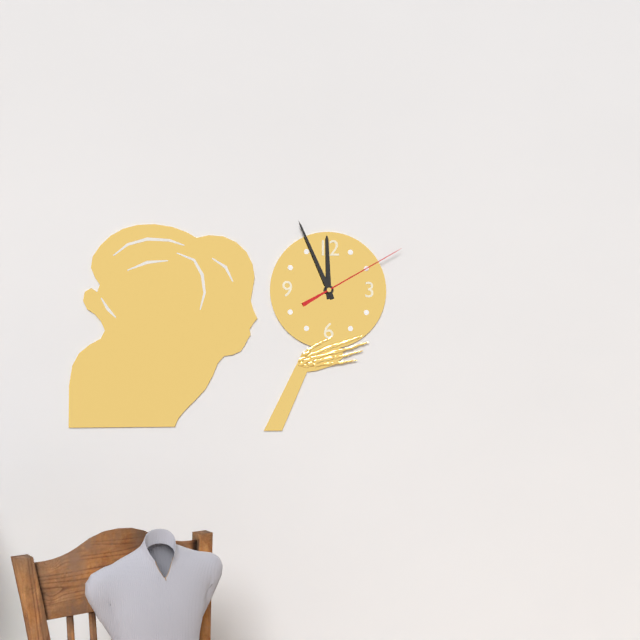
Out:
h=11 m=56 s=10
